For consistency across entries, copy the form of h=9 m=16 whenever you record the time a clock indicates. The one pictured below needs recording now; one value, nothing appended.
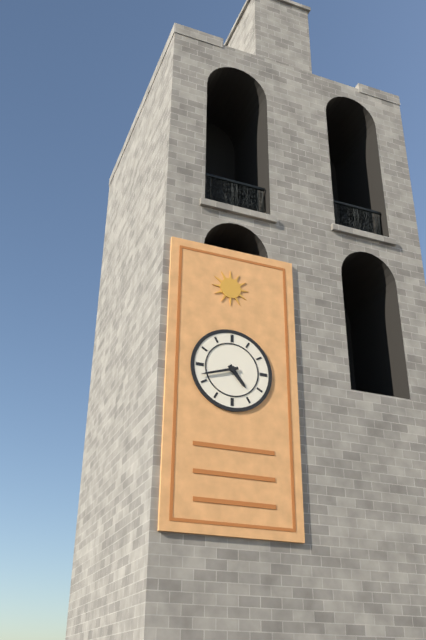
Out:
h=4 m=42
